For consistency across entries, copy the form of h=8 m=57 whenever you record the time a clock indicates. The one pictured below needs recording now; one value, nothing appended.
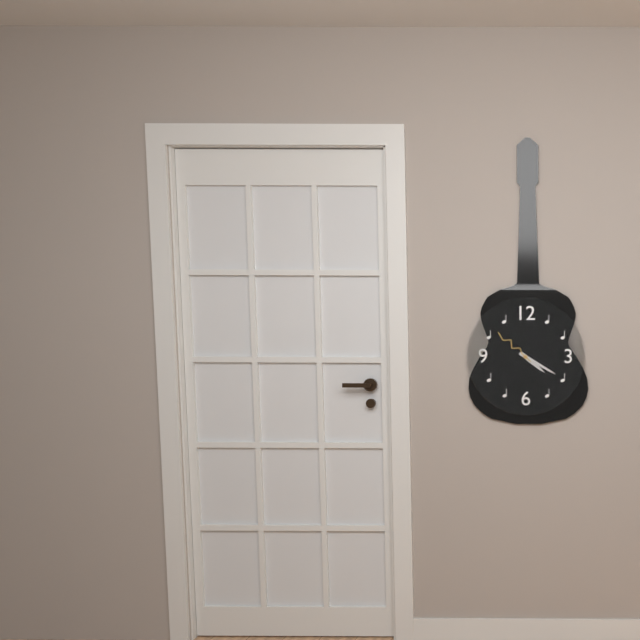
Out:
h=4 m=20
